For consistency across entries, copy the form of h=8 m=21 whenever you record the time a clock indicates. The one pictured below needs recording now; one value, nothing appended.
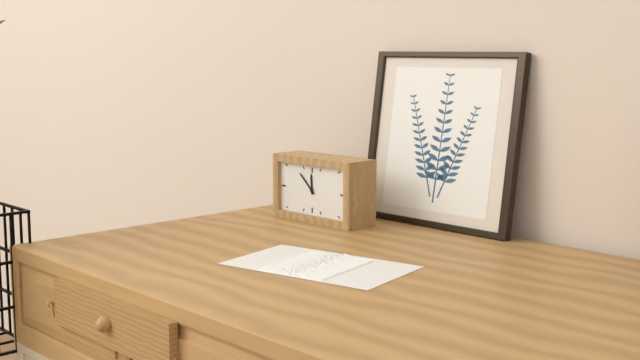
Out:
h=11 m=52
